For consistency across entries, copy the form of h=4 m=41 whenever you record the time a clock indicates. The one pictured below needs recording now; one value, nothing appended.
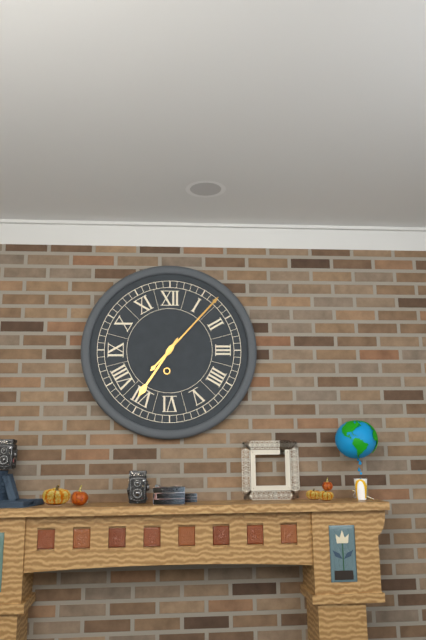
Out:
h=7 m=7
